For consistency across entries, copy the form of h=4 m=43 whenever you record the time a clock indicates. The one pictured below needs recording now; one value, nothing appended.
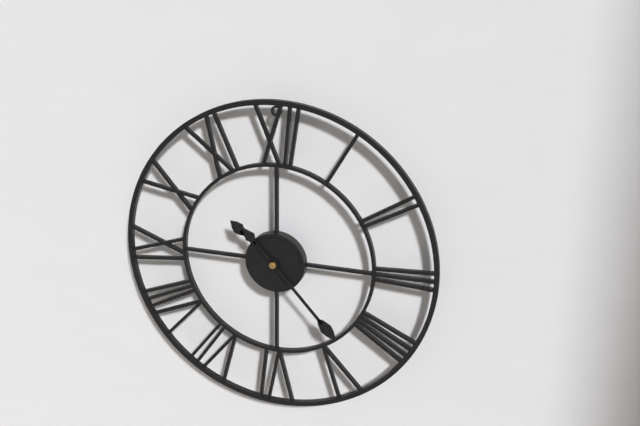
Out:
h=10 m=23
